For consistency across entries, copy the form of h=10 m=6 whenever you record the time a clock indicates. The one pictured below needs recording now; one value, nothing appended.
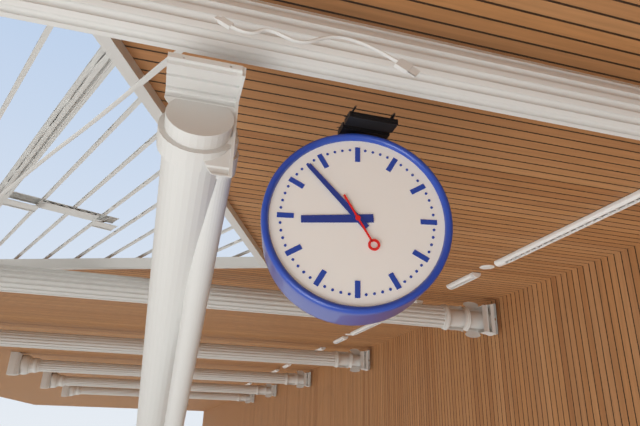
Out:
h=8 m=53
